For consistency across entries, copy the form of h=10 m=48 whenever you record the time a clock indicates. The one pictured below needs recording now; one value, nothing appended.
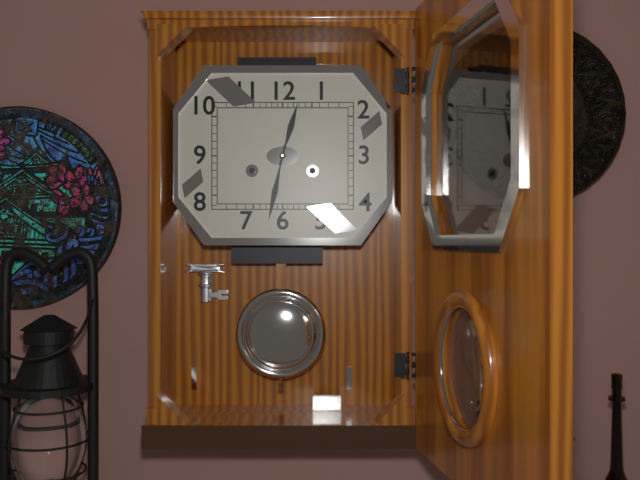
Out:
h=12 m=32
